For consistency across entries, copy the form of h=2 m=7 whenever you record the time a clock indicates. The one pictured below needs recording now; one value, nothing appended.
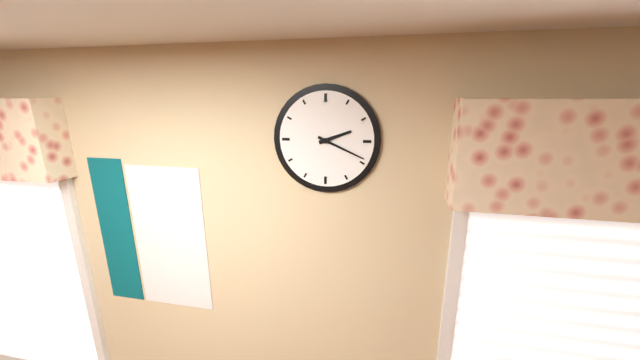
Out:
h=2 m=19
